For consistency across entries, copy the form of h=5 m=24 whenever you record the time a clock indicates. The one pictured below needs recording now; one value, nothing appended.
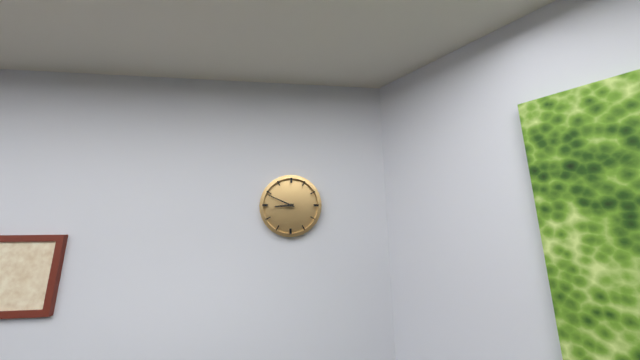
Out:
h=8 m=49
